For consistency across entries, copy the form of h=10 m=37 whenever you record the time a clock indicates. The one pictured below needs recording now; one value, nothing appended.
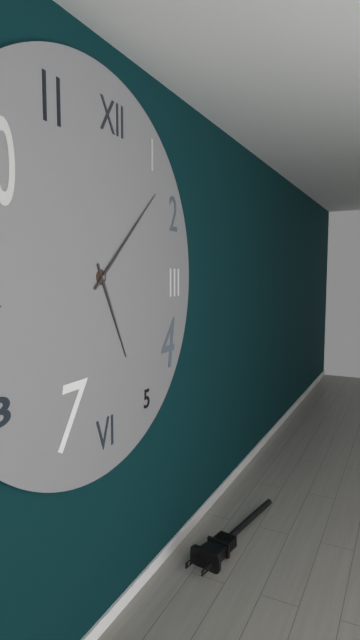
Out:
h=5 m=8
